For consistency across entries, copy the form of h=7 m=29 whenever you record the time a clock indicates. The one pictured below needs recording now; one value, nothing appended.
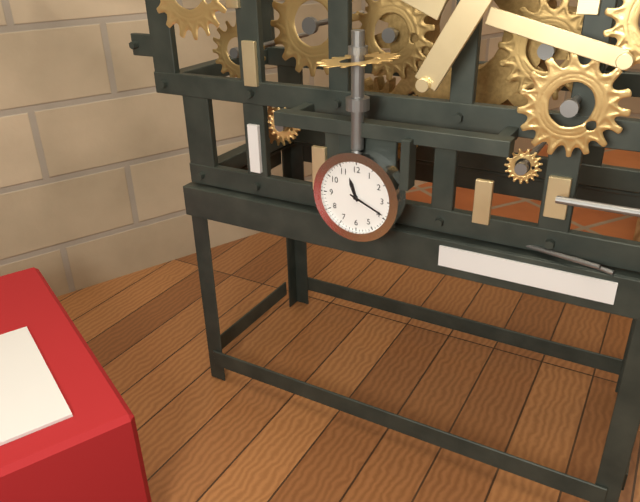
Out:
h=11 m=19
